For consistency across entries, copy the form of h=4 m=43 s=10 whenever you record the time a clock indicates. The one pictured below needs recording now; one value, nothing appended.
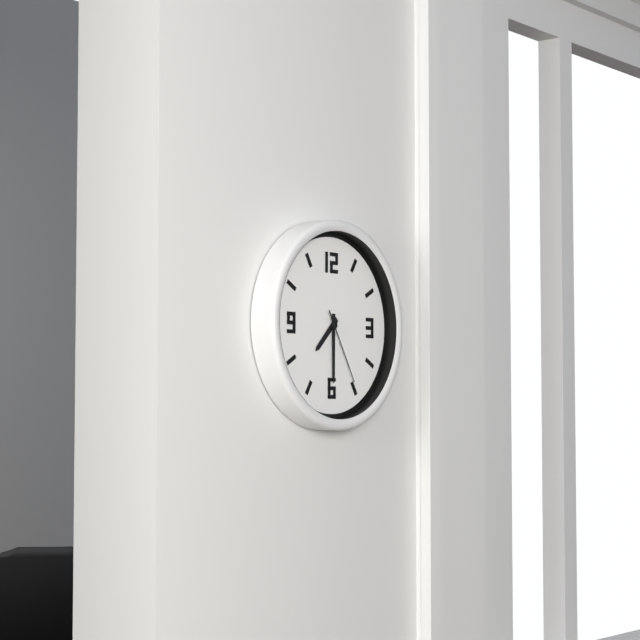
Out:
h=7 m=30 s=25
